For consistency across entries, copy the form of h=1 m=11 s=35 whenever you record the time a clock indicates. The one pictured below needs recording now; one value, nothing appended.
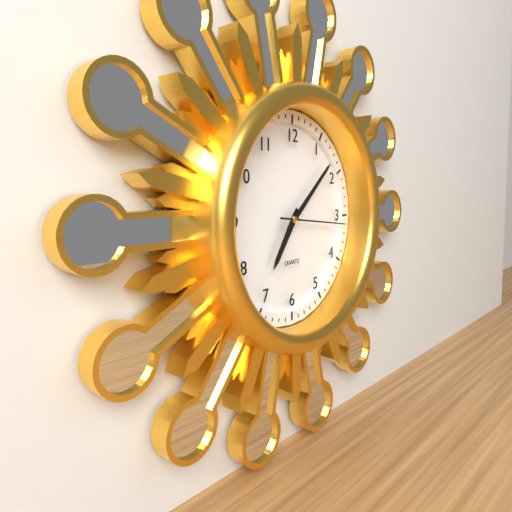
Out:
h=7 m=8 s=16
